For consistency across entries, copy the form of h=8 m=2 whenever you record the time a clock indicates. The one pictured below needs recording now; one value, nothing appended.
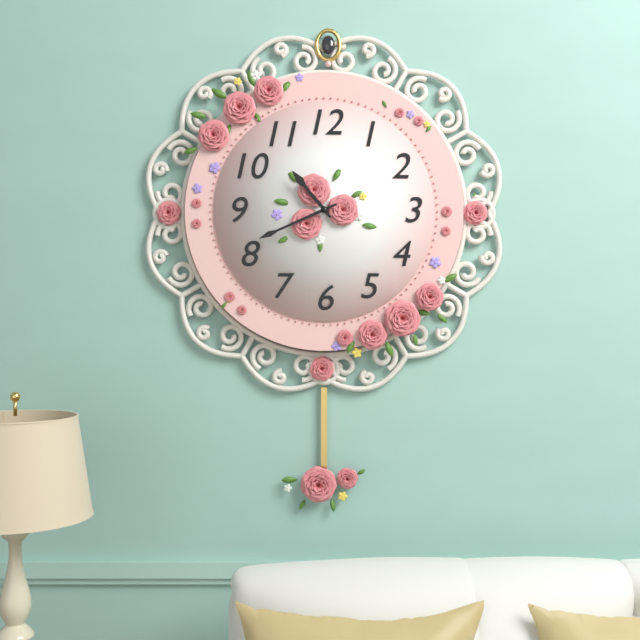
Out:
h=10 m=41
